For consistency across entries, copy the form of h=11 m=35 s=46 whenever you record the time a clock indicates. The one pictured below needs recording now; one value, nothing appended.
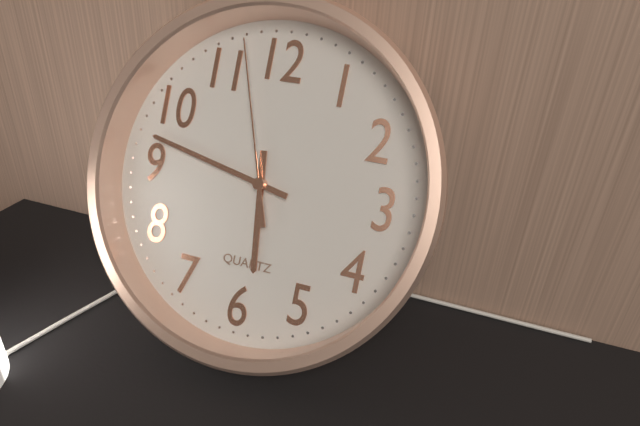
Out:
h=5 m=47 s=57
